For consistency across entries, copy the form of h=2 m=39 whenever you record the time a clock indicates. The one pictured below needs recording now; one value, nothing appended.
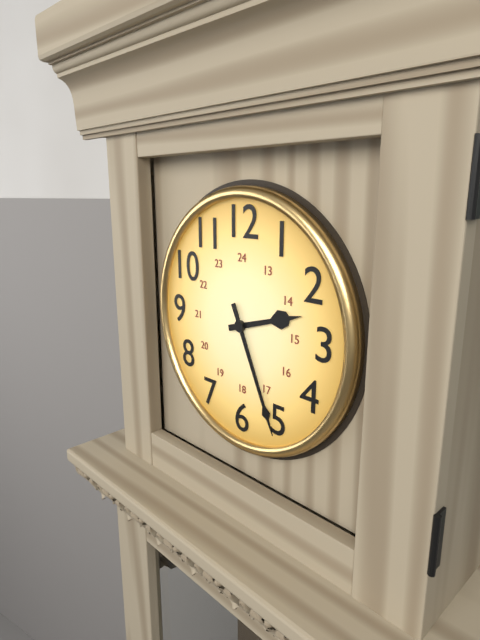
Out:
h=2 m=26
